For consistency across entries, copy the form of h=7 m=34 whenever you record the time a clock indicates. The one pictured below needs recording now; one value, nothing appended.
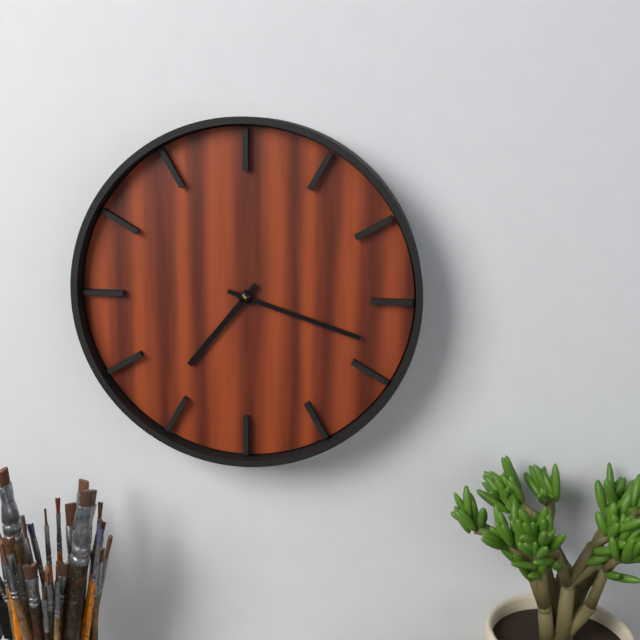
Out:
h=7 m=18
